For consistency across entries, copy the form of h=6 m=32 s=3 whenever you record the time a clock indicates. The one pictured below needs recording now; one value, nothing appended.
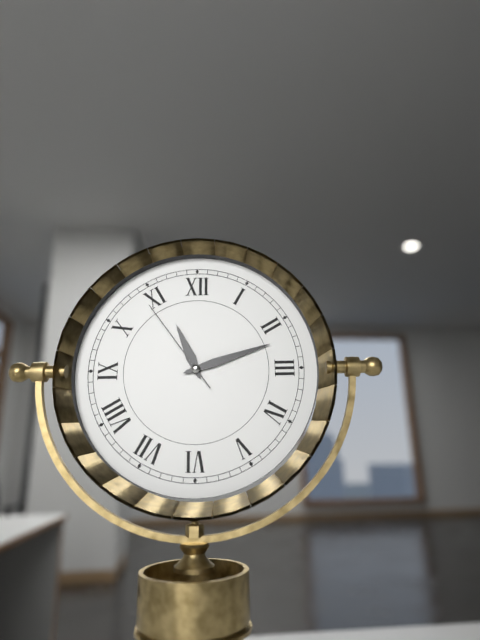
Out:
h=11 m=12 s=54
